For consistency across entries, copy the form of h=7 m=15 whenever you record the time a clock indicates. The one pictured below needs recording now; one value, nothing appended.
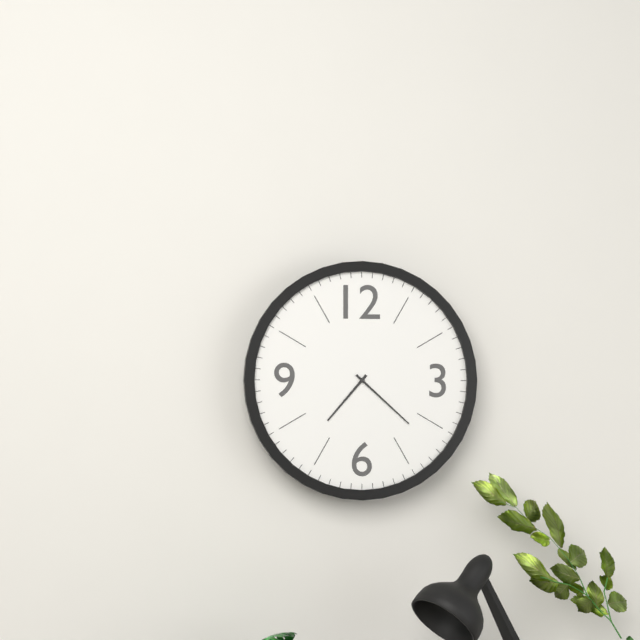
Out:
h=7 m=22
